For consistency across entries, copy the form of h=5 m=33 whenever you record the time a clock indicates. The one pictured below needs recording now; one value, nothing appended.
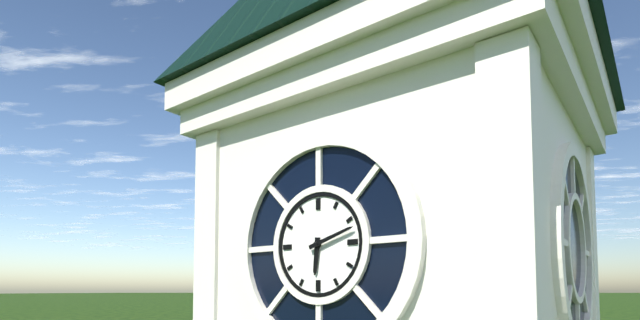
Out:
h=6 m=12
